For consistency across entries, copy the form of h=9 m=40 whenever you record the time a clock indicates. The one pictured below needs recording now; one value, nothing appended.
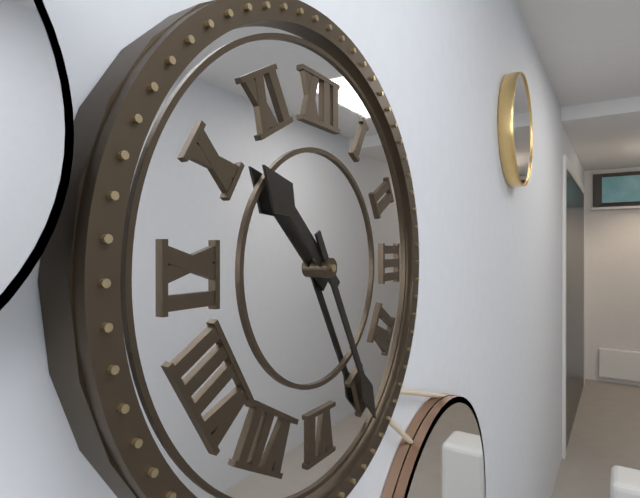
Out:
h=10 m=25
